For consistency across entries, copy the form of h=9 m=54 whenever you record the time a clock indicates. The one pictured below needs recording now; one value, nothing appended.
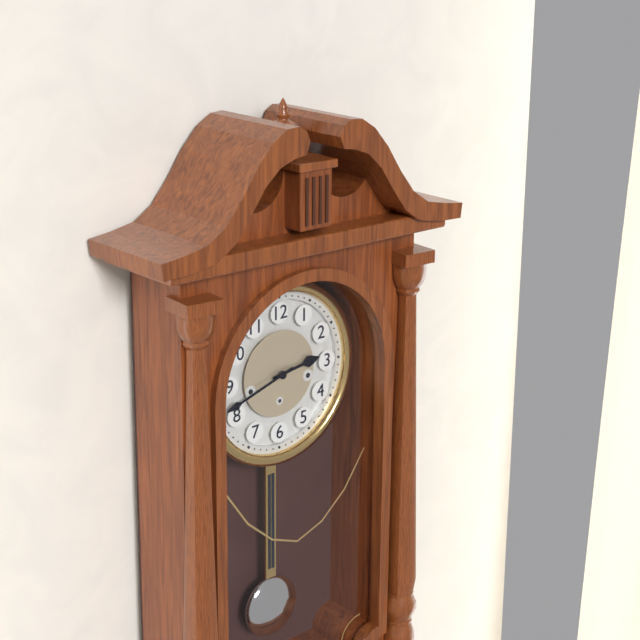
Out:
h=2 m=42
